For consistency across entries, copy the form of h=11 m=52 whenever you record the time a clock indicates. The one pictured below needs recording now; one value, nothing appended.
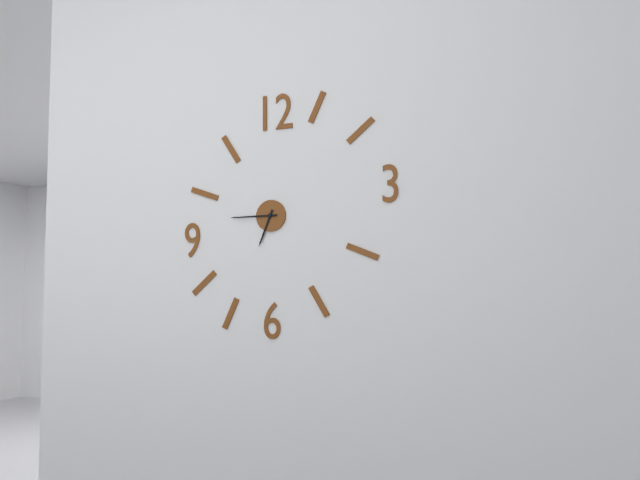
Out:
h=6 m=45
